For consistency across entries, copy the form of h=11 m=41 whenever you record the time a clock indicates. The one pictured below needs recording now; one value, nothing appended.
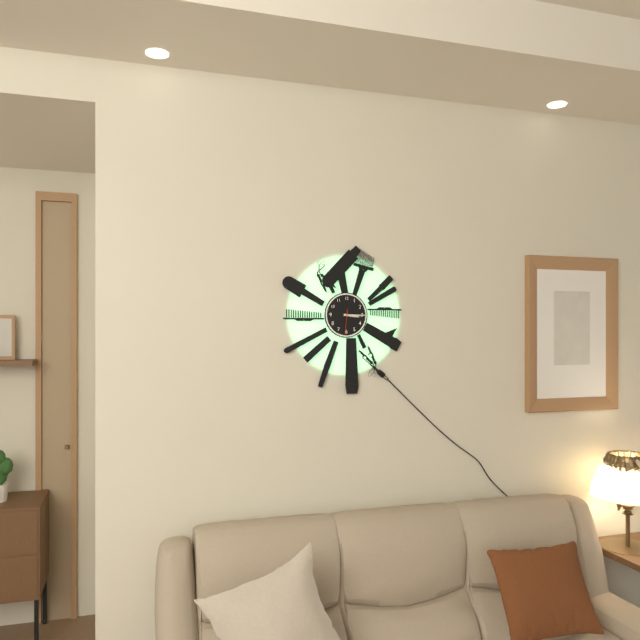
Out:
h=3 m=15
